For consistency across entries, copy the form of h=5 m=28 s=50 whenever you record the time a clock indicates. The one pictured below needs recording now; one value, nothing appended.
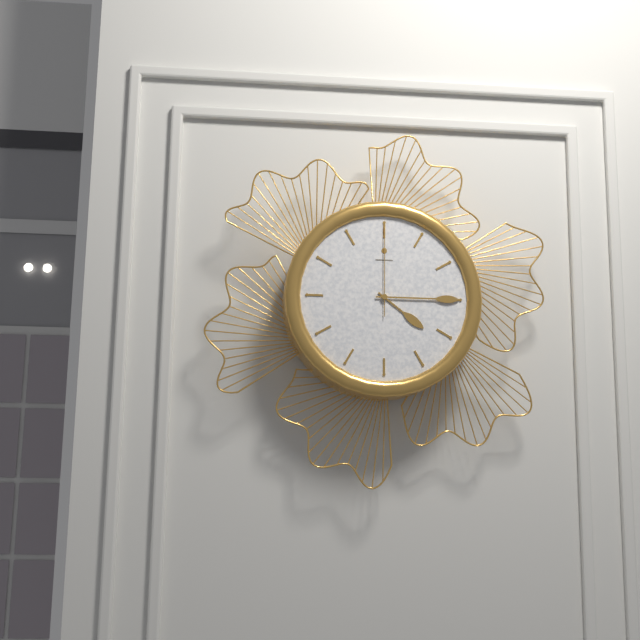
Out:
h=4 m=15 s=0
